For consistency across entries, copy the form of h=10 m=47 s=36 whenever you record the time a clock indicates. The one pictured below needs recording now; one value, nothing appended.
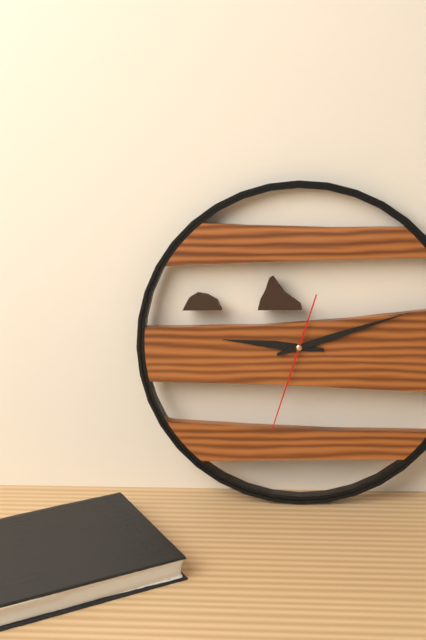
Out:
h=9 m=12 s=33
